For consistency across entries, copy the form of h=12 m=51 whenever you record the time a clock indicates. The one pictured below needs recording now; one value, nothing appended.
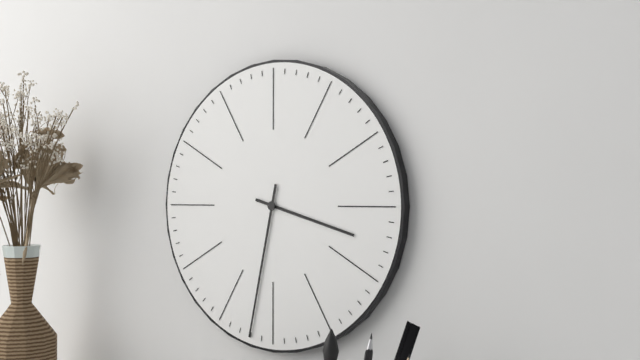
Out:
h=3 m=32
